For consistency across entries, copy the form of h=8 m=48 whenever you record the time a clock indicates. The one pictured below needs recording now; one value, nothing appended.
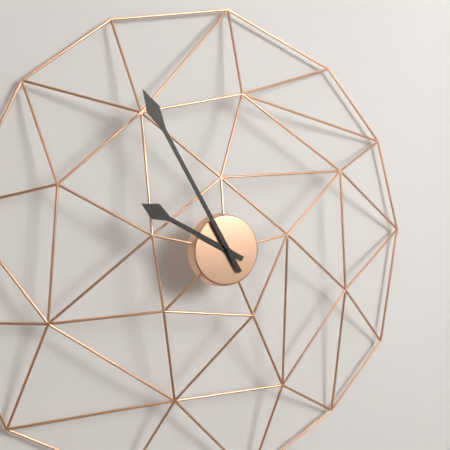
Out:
h=9 m=55
